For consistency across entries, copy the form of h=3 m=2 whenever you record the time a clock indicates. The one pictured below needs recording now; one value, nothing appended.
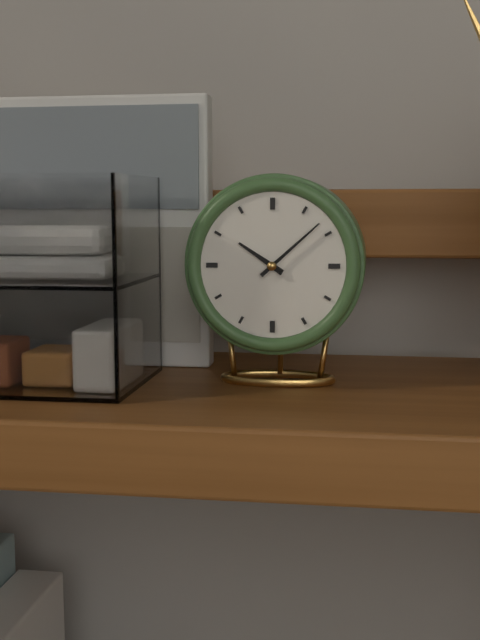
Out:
h=10 m=8
